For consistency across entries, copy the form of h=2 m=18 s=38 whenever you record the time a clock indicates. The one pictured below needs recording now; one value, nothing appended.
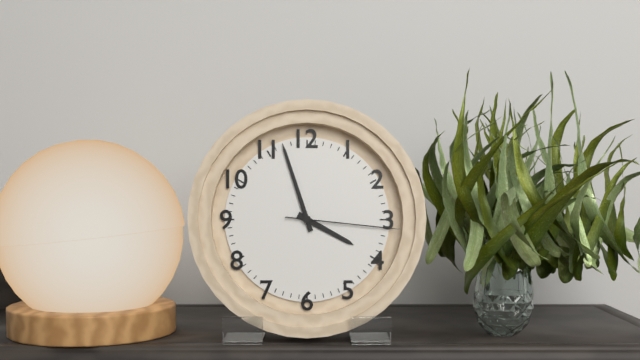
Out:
h=3 m=57 s=16
